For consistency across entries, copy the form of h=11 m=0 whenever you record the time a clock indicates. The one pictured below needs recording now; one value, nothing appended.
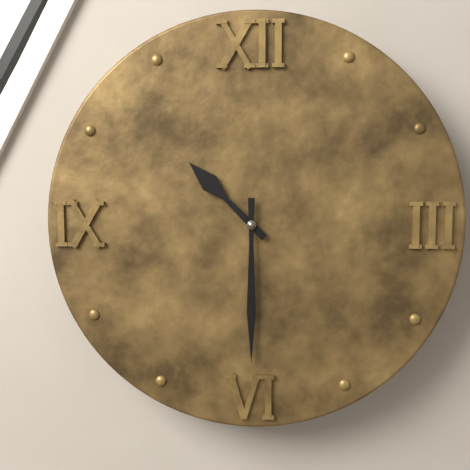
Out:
h=10 m=30
